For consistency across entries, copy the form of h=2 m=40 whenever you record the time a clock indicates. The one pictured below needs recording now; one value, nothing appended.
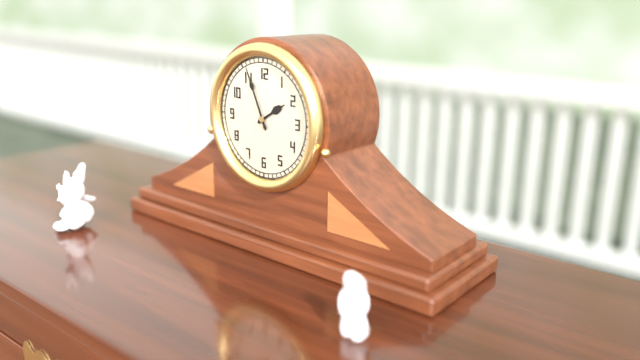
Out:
h=1 m=56
